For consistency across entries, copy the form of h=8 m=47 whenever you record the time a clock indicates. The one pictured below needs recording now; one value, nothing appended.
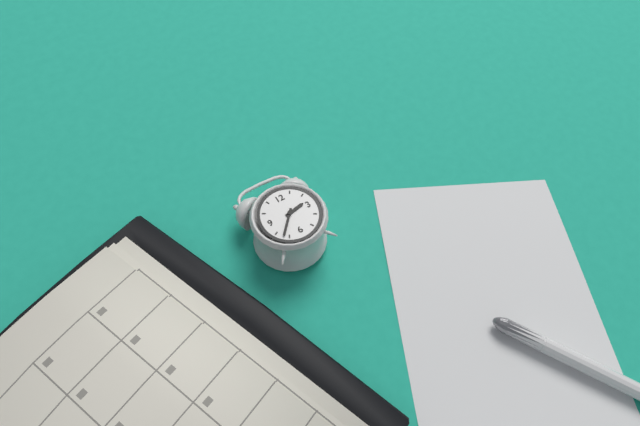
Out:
h=2 m=37
